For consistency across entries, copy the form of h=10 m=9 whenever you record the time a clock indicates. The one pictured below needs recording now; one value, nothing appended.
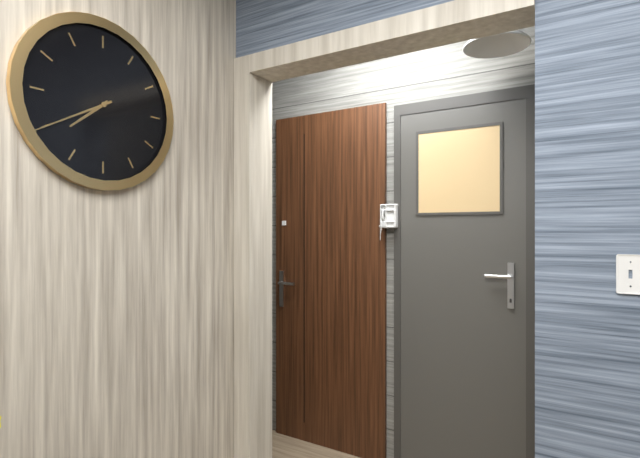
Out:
h=7 m=40
